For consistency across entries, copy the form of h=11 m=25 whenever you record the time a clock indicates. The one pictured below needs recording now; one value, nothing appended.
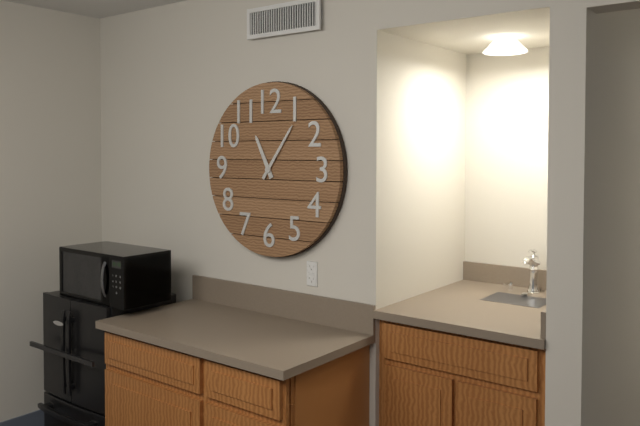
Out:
h=11 m=6
